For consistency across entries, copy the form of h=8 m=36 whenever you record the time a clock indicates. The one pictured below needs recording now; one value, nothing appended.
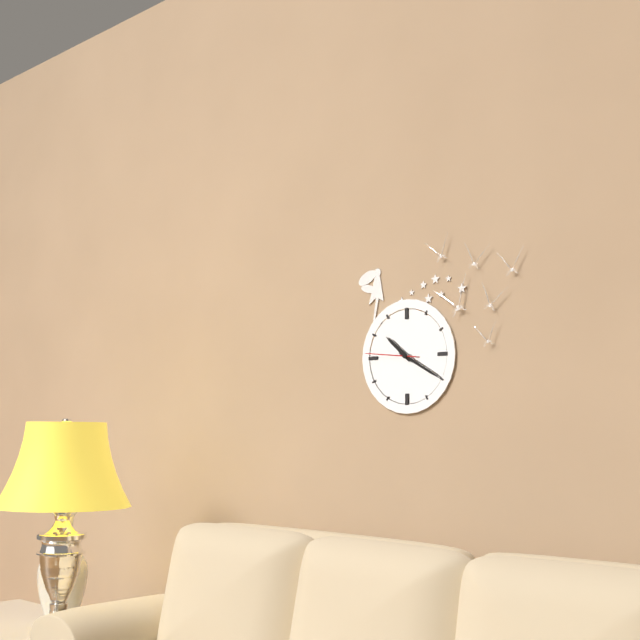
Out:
h=10 m=20
